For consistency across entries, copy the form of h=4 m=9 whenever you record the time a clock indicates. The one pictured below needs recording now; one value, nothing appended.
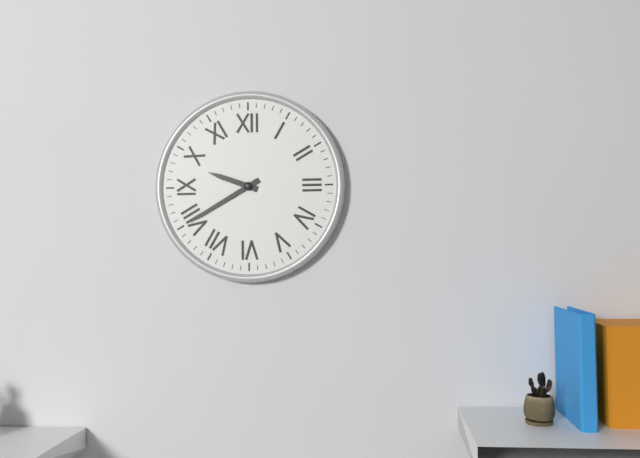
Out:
h=9 m=40
